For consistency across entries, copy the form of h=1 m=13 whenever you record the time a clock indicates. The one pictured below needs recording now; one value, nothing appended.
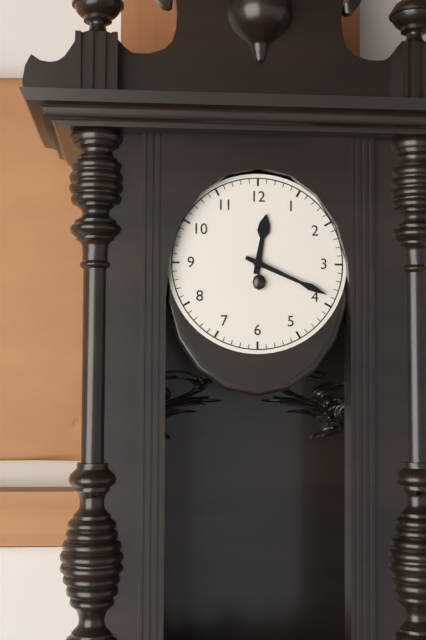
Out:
h=12 m=19
